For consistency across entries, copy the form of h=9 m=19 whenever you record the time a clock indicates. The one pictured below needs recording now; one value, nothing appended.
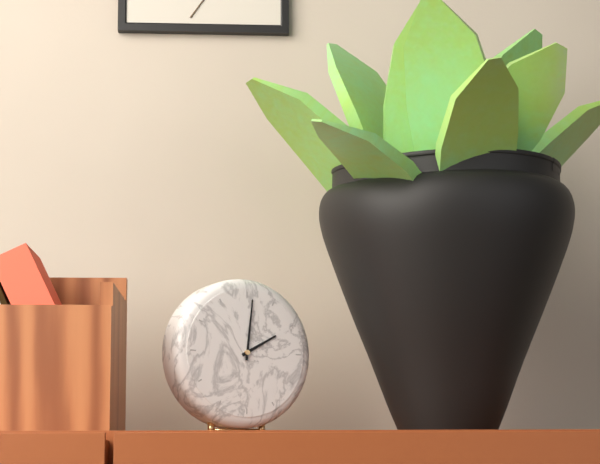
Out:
h=2 m=1
